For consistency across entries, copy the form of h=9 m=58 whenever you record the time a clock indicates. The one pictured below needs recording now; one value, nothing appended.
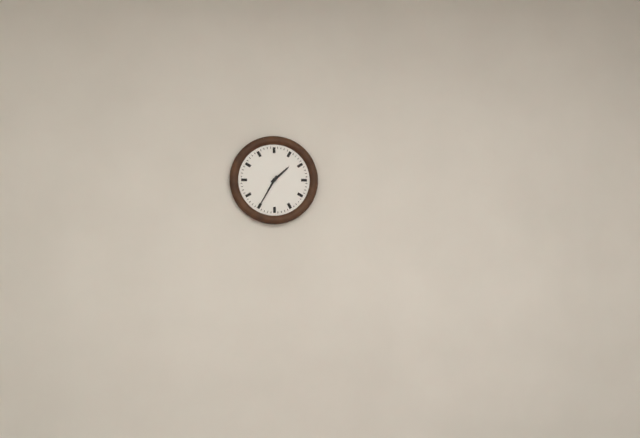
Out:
h=1 m=35
